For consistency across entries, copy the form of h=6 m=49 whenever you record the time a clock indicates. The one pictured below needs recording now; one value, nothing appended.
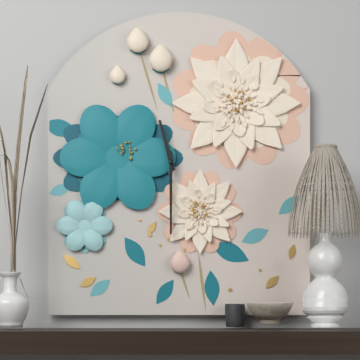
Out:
h=11 m=30
